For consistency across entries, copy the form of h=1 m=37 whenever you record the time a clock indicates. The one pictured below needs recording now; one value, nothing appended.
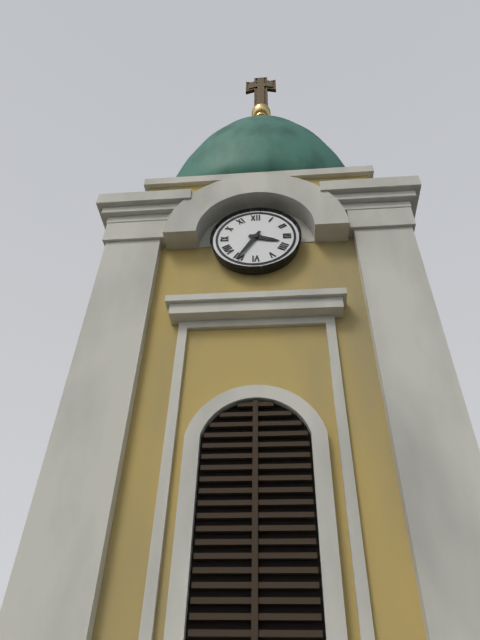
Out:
h=3 m=35
